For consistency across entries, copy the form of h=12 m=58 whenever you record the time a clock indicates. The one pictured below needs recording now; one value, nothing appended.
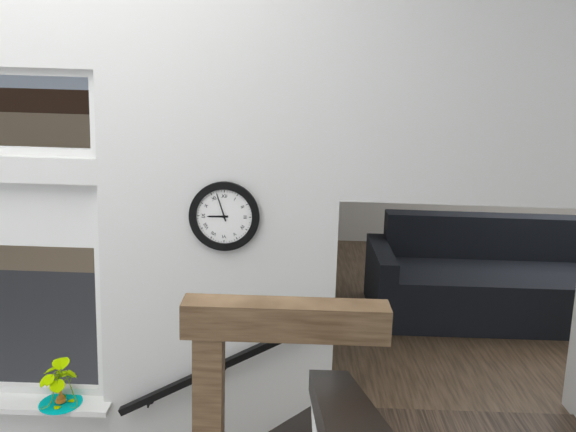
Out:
h=8 m=57
